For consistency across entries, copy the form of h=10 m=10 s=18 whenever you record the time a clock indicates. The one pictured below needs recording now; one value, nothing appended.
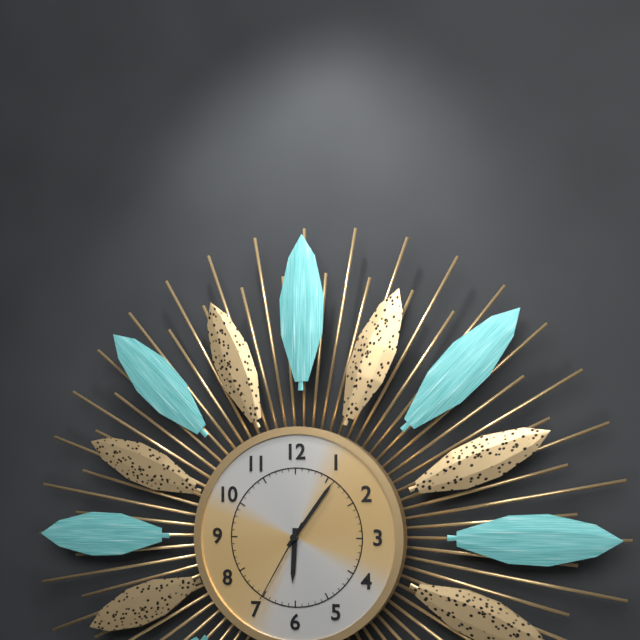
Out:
h=6 m=6 s=35
